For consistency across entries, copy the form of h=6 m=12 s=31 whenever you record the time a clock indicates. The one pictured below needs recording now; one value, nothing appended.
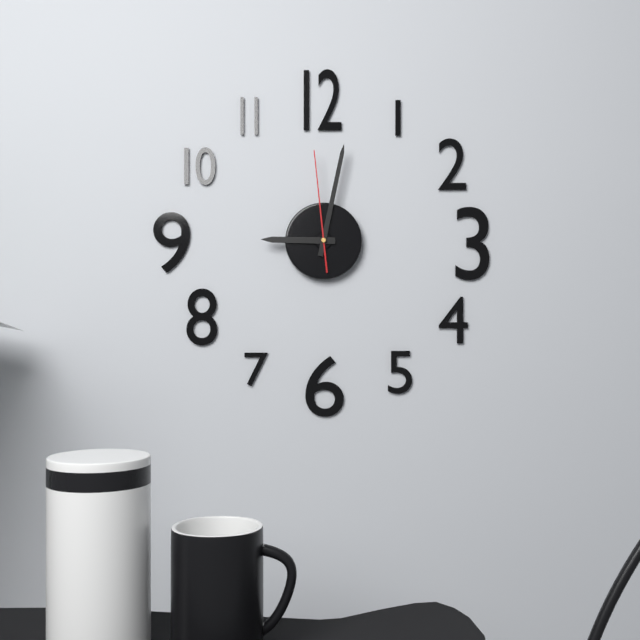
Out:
h=9 m=2 s=59
